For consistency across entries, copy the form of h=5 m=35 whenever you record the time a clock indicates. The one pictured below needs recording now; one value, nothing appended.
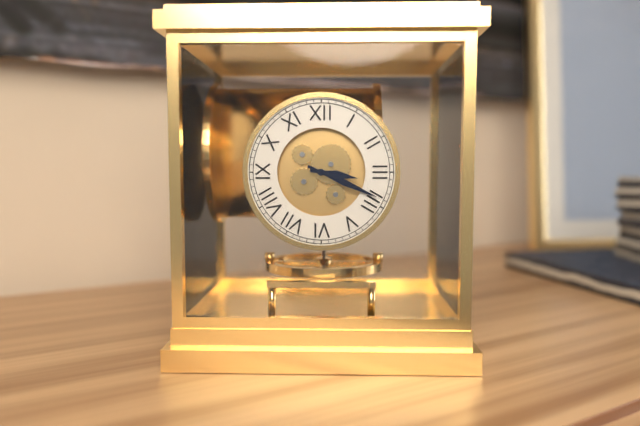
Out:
h=3 m=19
